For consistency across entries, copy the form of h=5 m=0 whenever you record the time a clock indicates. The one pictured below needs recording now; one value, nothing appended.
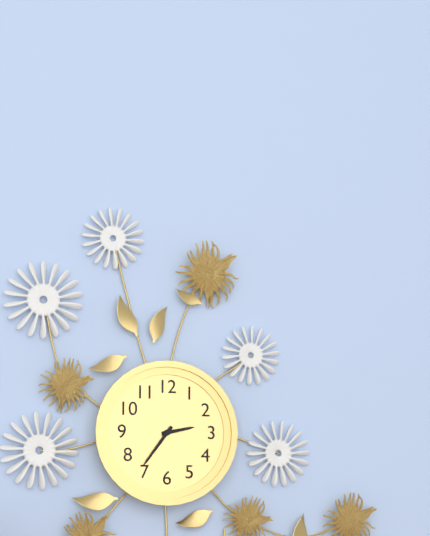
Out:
h=2 m=36
